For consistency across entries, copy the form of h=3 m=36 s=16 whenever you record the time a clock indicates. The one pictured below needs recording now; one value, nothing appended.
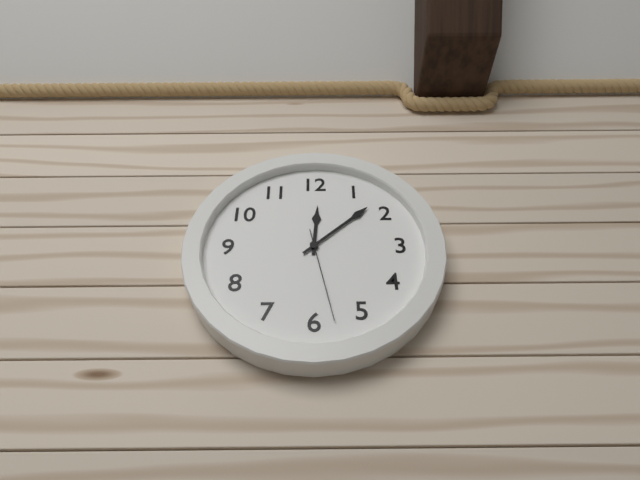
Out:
h=12 m=8 s=28
